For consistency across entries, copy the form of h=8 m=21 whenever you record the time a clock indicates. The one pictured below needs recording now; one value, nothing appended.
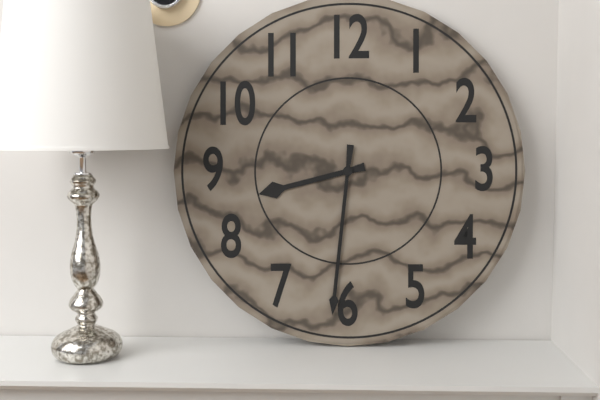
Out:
h=8 m=31
